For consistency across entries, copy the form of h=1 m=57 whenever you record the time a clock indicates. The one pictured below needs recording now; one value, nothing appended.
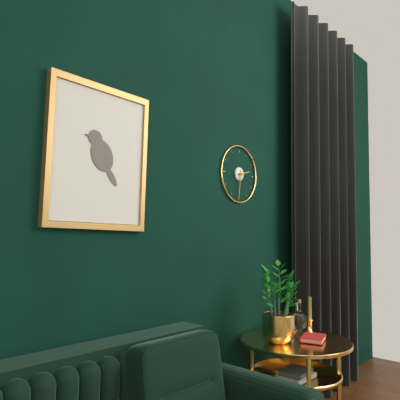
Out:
h=2 m=31
